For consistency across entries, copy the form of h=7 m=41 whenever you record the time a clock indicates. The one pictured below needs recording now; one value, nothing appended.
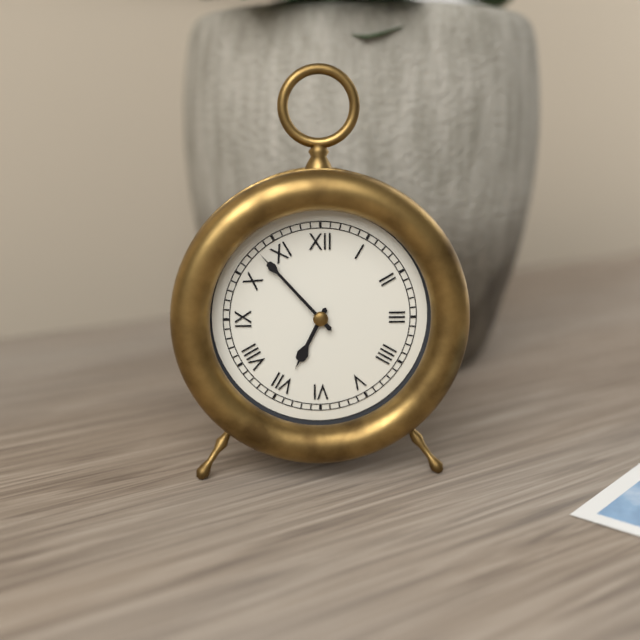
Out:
h=6 m=53
